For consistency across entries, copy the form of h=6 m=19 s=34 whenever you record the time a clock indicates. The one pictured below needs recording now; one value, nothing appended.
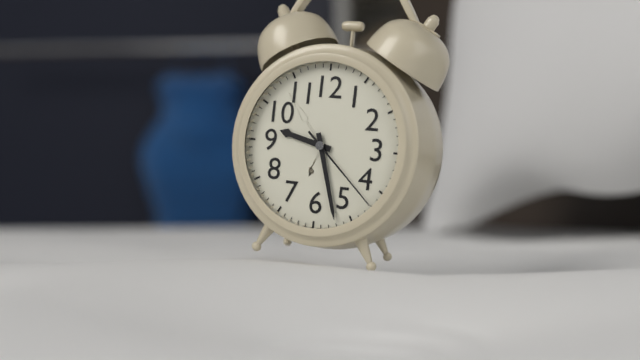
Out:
h=9 m=27 s=22
